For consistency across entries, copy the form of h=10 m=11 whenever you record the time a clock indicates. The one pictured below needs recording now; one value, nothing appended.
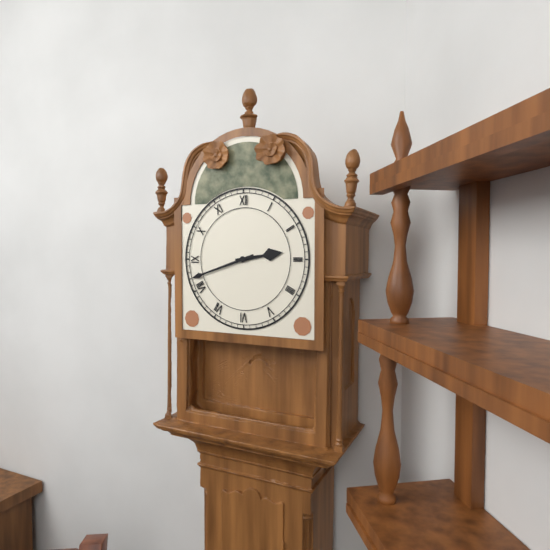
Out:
h=2 m=42
